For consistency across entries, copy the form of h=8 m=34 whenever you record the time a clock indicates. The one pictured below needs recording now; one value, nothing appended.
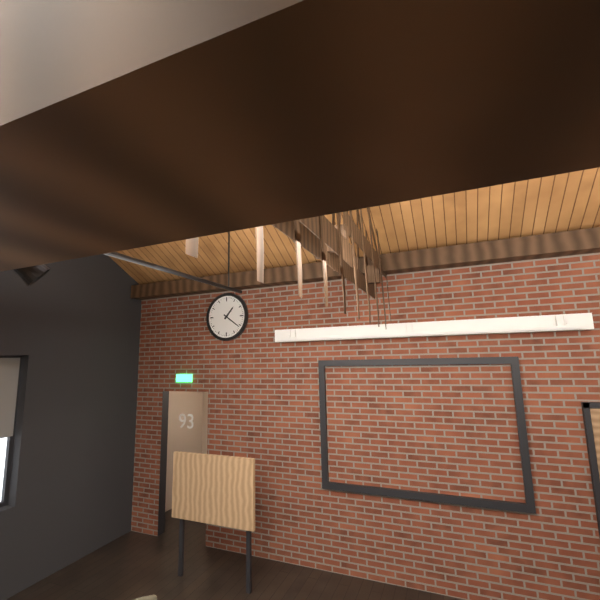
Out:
h=1 m=21
